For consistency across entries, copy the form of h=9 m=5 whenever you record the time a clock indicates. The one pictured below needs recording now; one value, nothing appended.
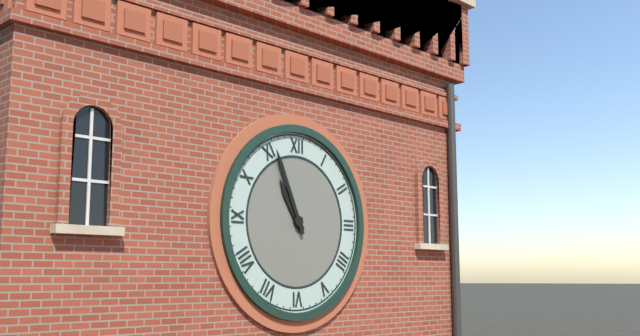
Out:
h=10 m=56
